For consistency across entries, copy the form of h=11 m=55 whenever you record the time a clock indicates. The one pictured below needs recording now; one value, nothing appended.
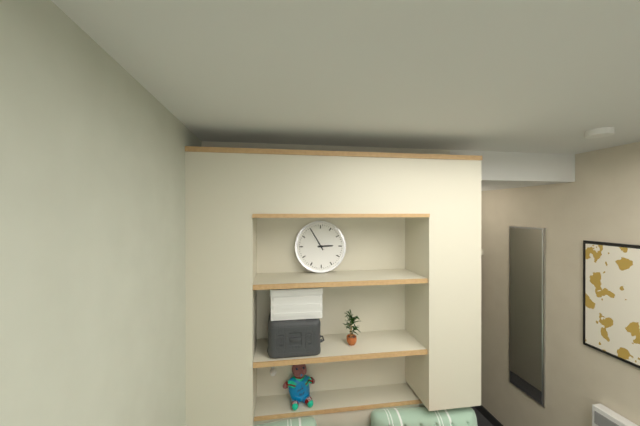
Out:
h=2 m=55
